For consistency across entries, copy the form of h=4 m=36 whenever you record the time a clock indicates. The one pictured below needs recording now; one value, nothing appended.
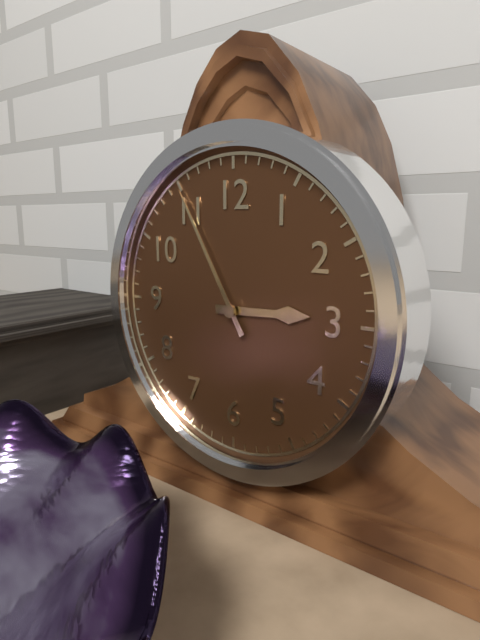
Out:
h=2 m=55
